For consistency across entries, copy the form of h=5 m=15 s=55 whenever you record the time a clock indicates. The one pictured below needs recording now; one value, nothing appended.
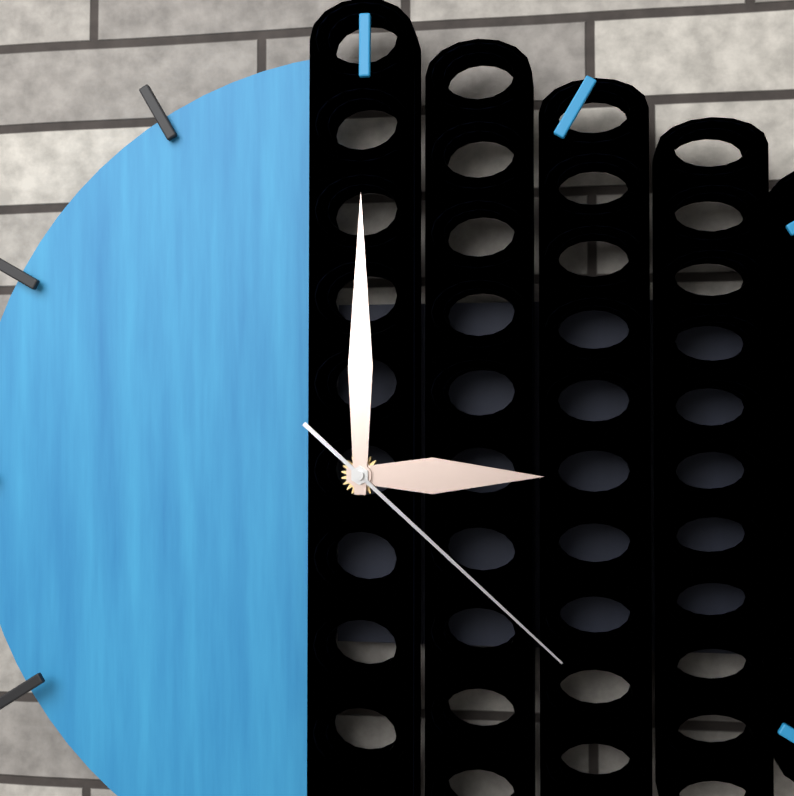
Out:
h=3 m=0 s=22
